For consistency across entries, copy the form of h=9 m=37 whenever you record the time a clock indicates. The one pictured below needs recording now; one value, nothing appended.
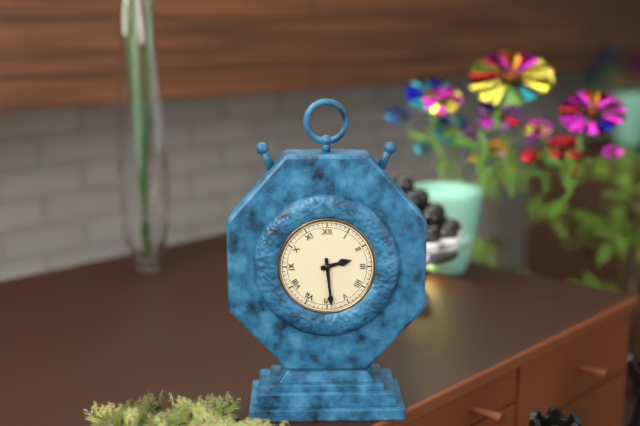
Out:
h=2 m=29
